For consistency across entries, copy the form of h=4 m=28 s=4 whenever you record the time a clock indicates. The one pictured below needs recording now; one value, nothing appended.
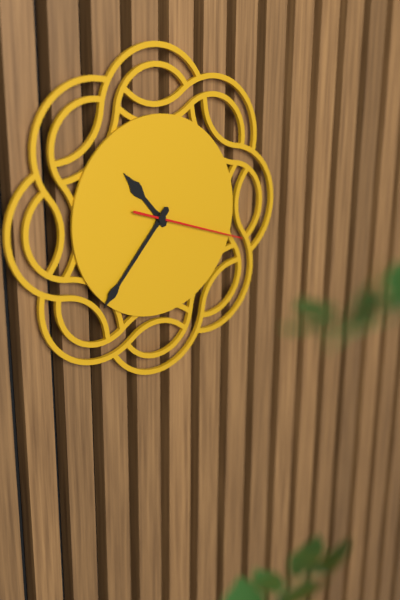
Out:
h=10 m=37 s=18
